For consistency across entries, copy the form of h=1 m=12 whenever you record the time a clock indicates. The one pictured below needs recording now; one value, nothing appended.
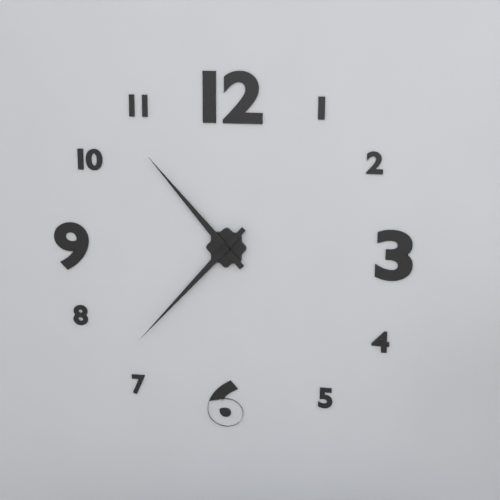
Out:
h=10 m=37
